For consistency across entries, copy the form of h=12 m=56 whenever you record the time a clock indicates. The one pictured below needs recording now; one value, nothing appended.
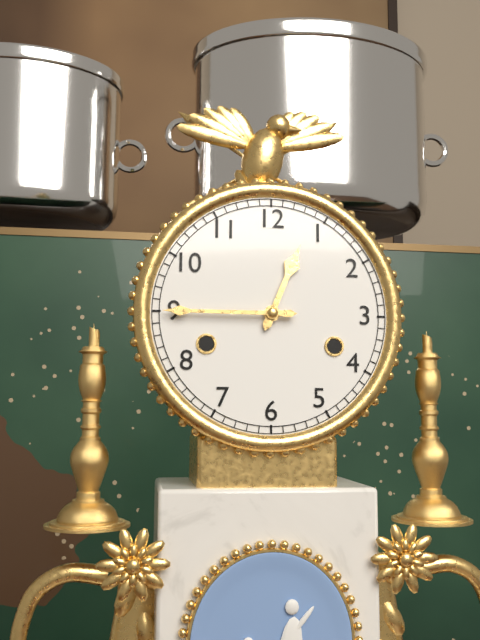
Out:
h=12 m=45
